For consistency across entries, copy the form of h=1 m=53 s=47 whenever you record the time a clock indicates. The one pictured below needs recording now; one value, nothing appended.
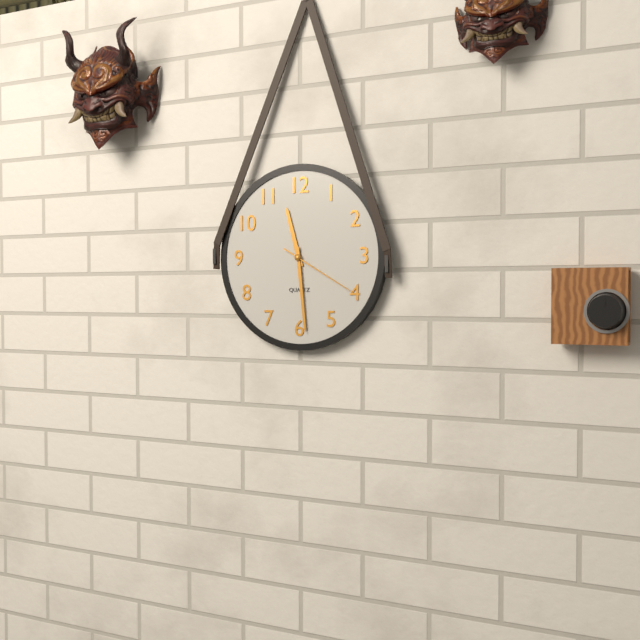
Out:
h=11 m=29 s=20
